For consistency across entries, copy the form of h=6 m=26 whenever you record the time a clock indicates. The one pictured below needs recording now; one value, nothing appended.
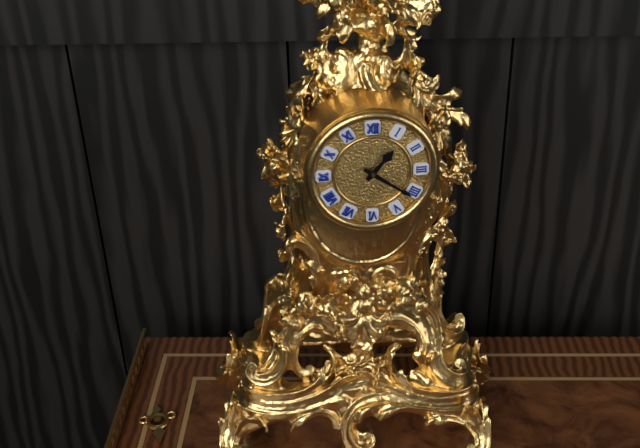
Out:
h=1 m=21
